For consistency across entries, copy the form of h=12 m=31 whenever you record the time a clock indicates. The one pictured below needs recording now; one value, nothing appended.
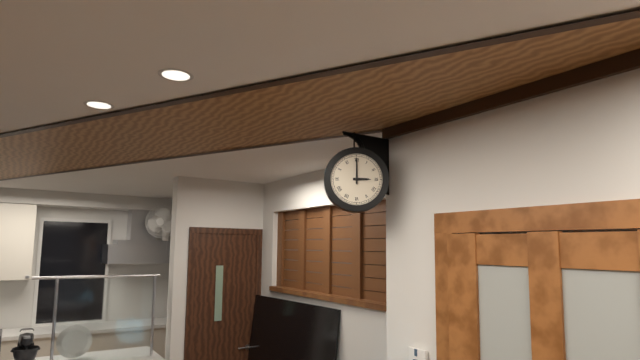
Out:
h=3 m=0
